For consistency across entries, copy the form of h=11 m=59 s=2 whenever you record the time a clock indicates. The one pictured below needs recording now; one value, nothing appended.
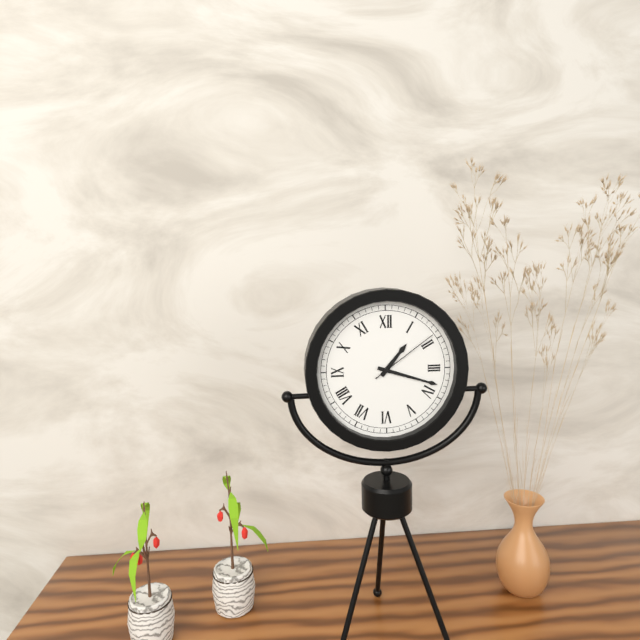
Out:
h=1 m=18 s=9
